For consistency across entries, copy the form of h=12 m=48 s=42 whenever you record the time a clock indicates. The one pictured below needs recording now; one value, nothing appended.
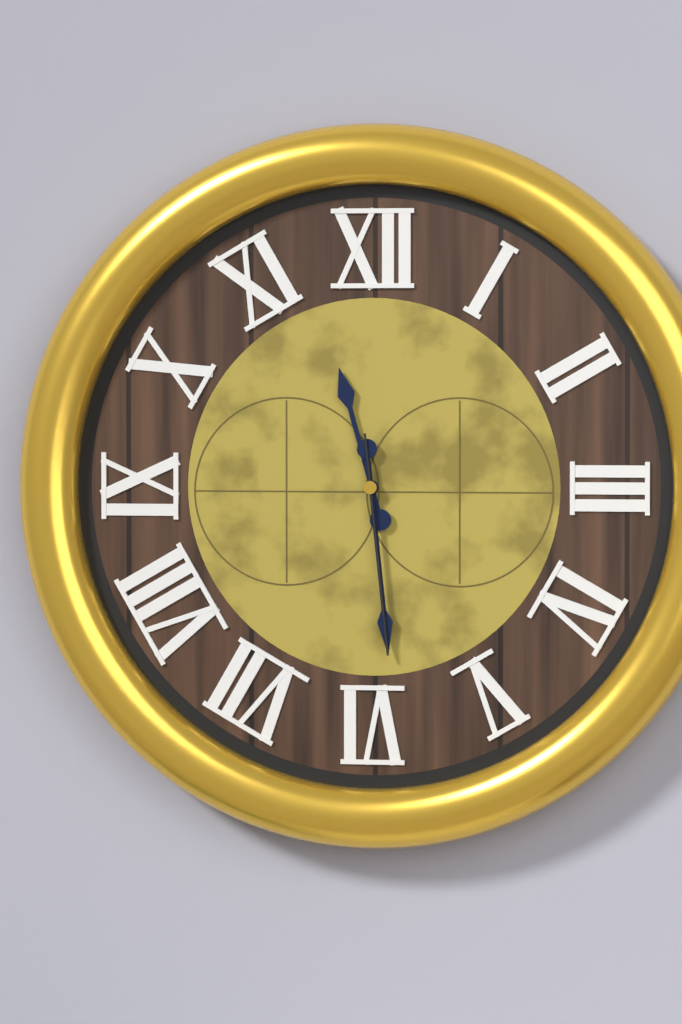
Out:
h=11 m=29 s=29
